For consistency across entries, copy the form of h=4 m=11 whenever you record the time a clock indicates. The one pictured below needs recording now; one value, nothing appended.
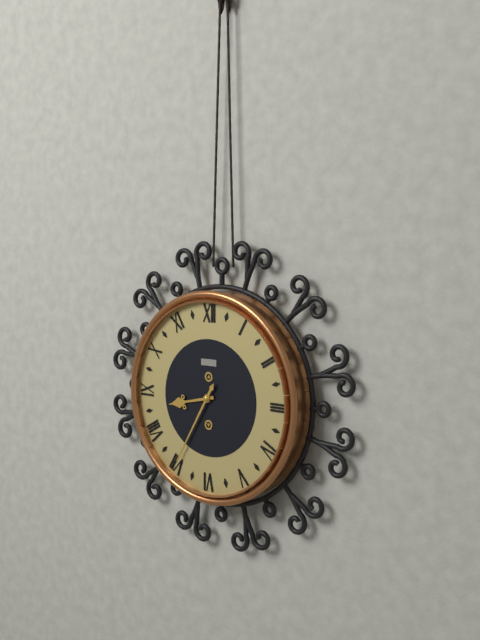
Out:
h=8 m=35
